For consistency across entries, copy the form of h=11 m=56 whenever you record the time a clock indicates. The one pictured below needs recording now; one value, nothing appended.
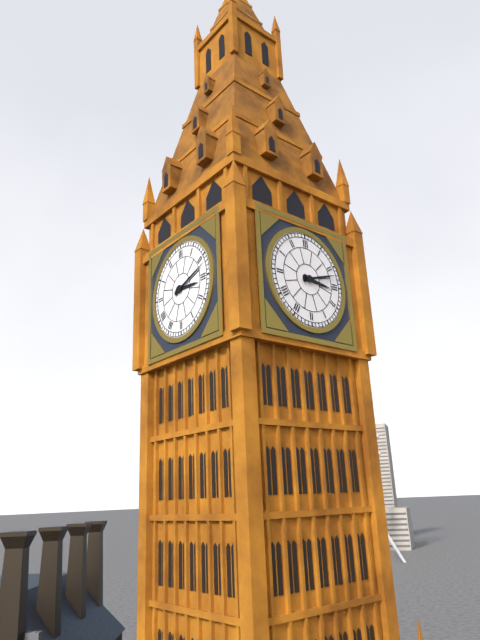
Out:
h=3 m=12
